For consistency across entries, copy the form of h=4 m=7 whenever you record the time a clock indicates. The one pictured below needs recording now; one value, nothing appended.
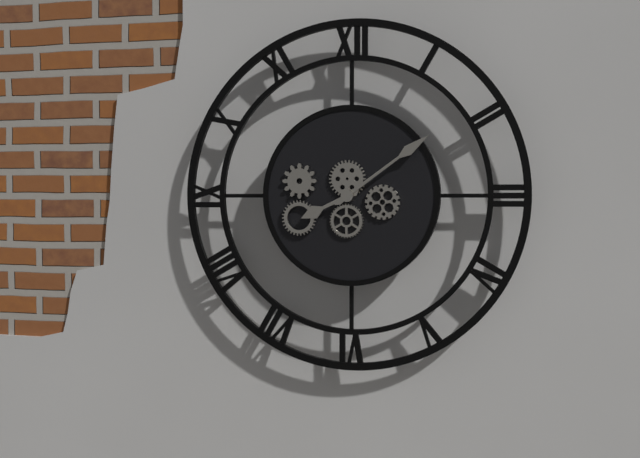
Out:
h=8 m=9
